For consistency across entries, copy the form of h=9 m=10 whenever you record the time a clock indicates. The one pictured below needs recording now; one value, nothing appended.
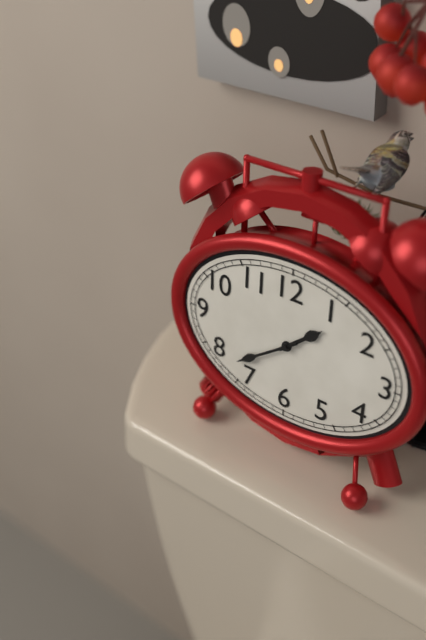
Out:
h=1 m=39
